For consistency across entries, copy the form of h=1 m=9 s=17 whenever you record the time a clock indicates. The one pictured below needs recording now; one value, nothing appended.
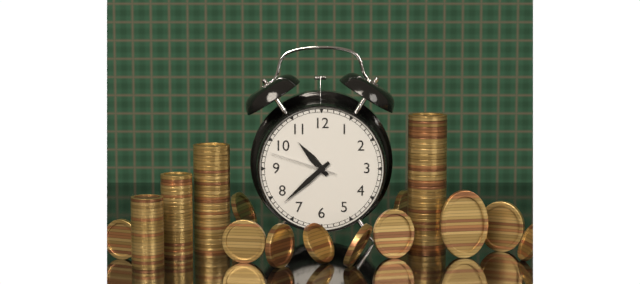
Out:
h=10 m=38 s=48
